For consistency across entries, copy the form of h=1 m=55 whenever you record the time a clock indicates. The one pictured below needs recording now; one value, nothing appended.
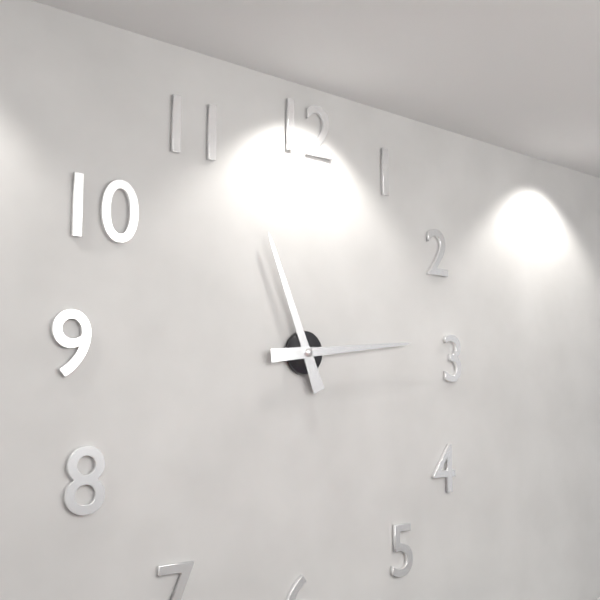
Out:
h=11 m=14
